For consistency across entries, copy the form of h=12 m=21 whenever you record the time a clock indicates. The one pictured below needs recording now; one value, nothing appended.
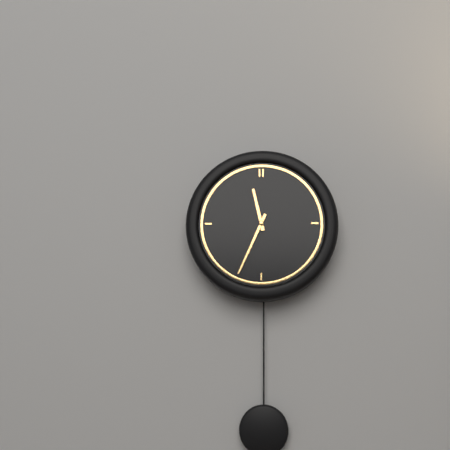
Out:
h=11 m=34
